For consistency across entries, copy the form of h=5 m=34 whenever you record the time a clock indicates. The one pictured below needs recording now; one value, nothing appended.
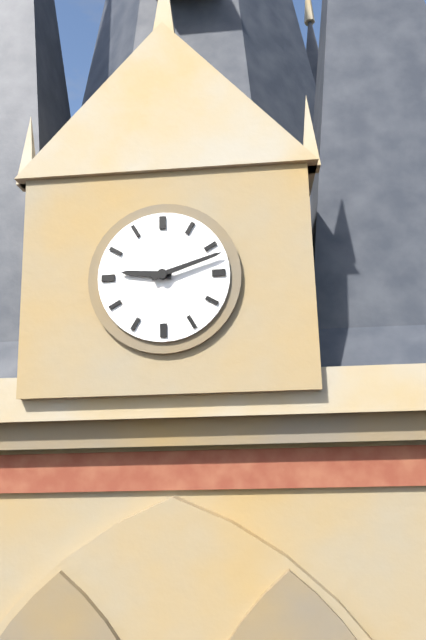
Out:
h=9 m=12
